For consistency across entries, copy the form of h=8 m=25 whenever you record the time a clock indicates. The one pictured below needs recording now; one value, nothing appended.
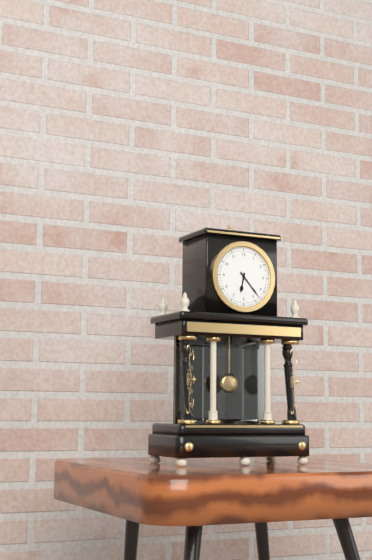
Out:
h=6 m=23
